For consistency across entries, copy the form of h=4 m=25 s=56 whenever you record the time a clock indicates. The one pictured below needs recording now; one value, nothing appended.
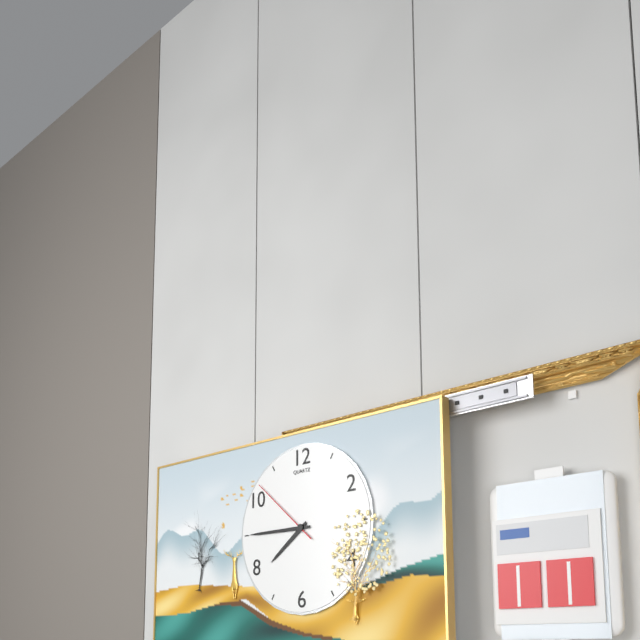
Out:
h=7 m=45 s=52
